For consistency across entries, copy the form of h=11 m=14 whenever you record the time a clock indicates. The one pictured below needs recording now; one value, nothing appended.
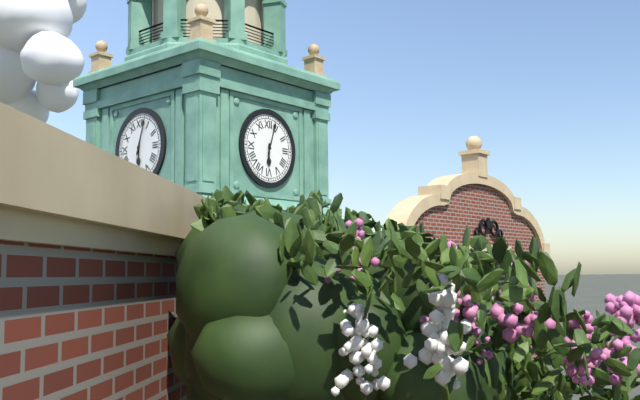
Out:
h=6 m=3
